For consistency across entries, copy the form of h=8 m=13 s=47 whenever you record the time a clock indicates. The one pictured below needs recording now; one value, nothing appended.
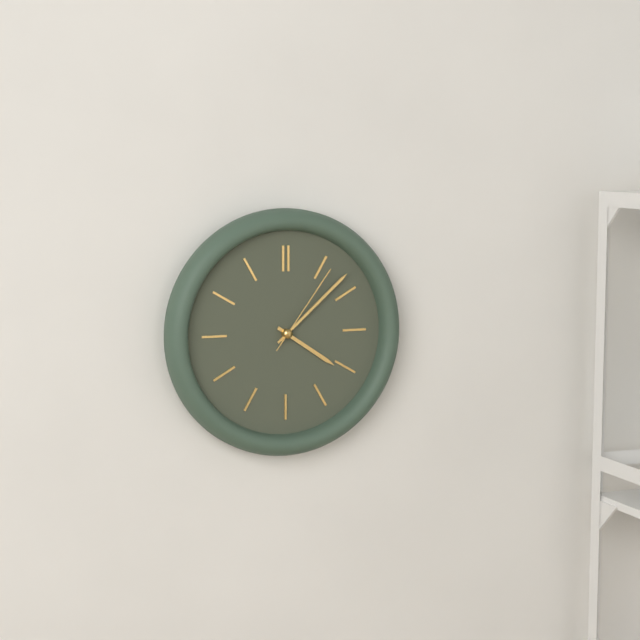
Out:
h=4 m=8 s=6
